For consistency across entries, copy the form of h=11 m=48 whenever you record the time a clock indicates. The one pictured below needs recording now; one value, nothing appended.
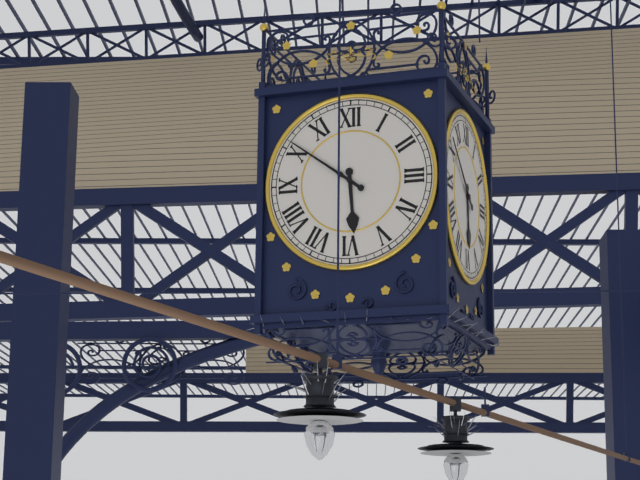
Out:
h=5 m=51
